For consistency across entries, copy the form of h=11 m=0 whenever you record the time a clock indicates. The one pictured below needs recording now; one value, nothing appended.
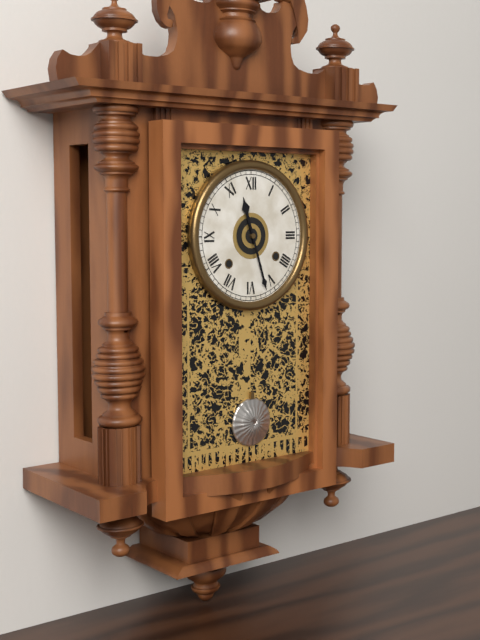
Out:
h=11 m=27
